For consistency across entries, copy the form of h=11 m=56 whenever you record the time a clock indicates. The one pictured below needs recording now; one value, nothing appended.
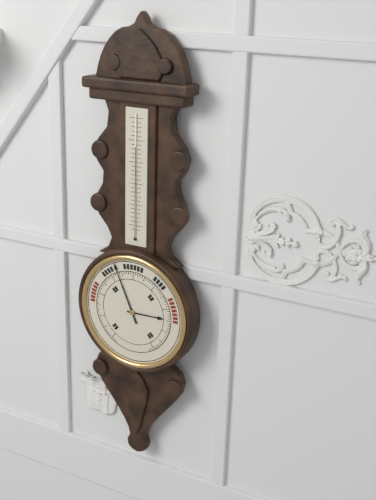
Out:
h=2 m=56
